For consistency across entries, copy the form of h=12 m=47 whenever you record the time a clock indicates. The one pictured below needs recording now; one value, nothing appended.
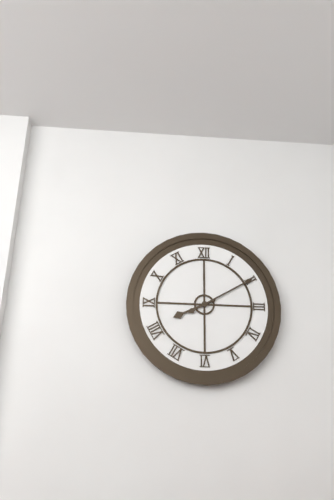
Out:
h=8 m=10
